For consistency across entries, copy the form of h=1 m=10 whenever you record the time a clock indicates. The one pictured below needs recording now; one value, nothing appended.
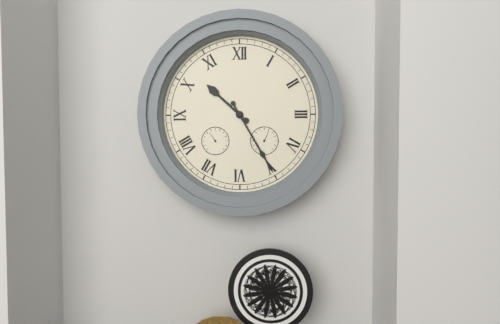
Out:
h=10 m=25
